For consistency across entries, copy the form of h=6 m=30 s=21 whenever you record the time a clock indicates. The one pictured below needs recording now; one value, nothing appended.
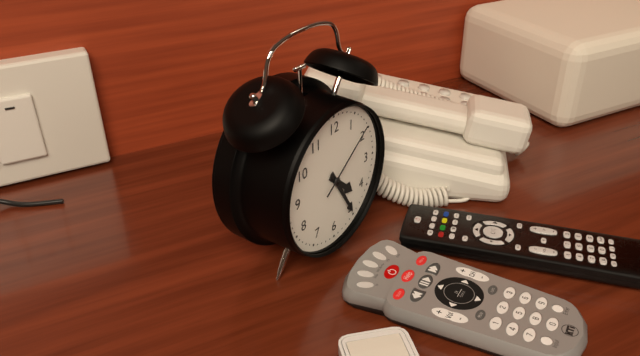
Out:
h=4 m=25 s=9
